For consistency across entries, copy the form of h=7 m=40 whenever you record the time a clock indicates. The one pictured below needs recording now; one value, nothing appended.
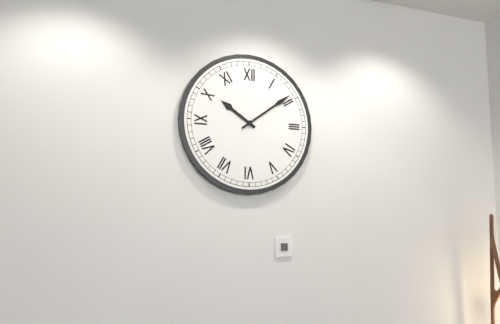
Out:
h=10 m=9
